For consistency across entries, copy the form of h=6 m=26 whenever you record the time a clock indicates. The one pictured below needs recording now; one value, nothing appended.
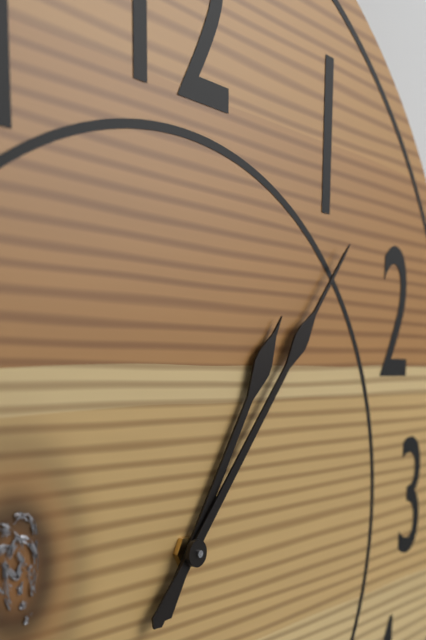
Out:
h=1 m=7
